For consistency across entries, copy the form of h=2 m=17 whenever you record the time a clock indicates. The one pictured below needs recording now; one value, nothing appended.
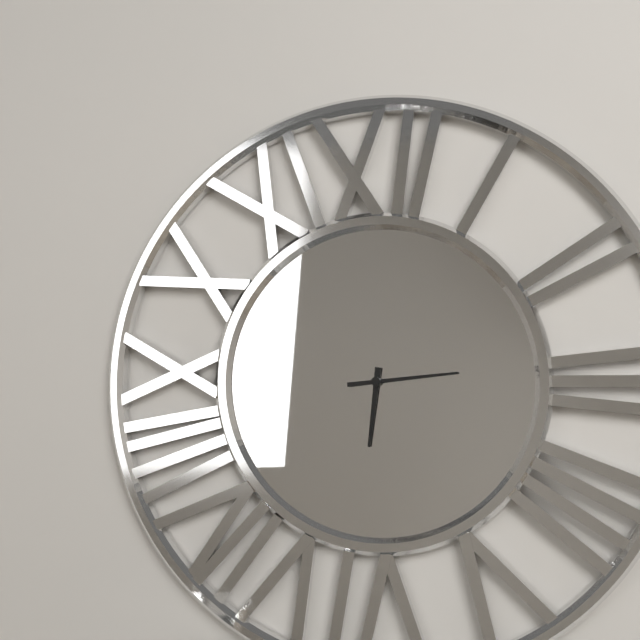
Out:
h=6 m=14
